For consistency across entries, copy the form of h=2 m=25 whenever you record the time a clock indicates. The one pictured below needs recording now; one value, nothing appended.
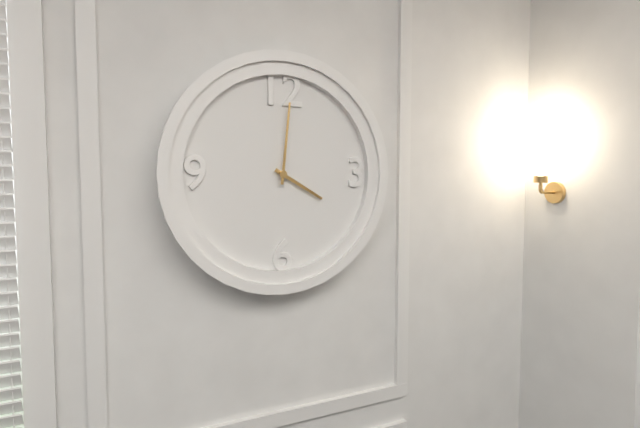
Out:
h=4 m=1
